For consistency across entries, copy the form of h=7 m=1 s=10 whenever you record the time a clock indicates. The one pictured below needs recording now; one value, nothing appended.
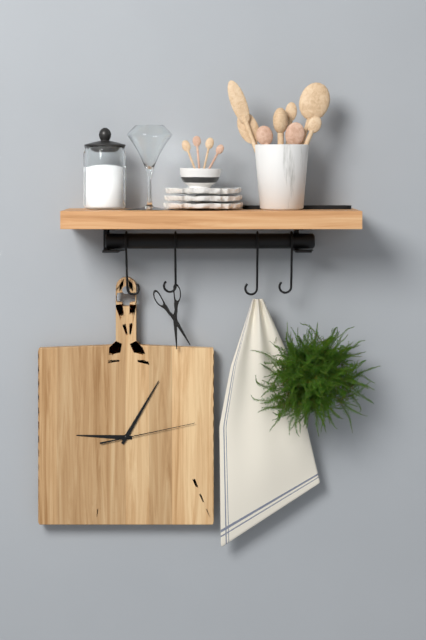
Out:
h=9 m=5 s=13
